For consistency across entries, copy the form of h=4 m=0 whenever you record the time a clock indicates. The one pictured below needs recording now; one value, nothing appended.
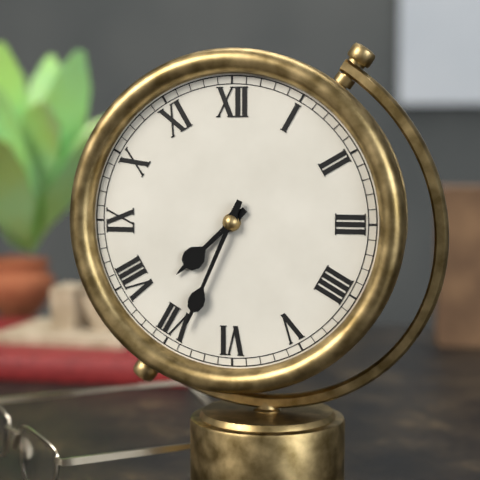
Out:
h=7 m=34
